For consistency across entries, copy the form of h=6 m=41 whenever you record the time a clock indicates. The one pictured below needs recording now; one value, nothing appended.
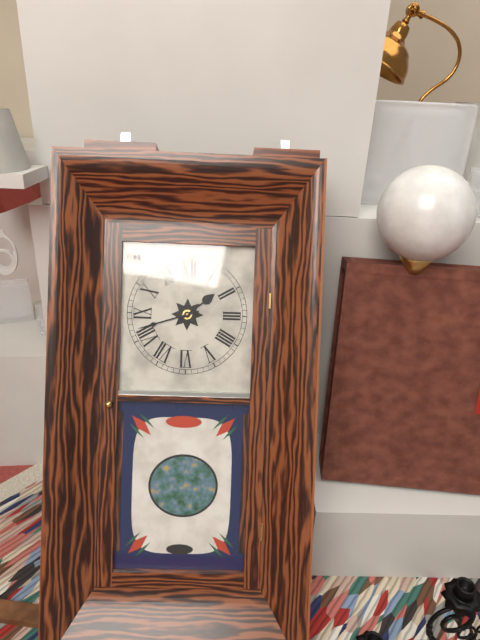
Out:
h=1 m=42
